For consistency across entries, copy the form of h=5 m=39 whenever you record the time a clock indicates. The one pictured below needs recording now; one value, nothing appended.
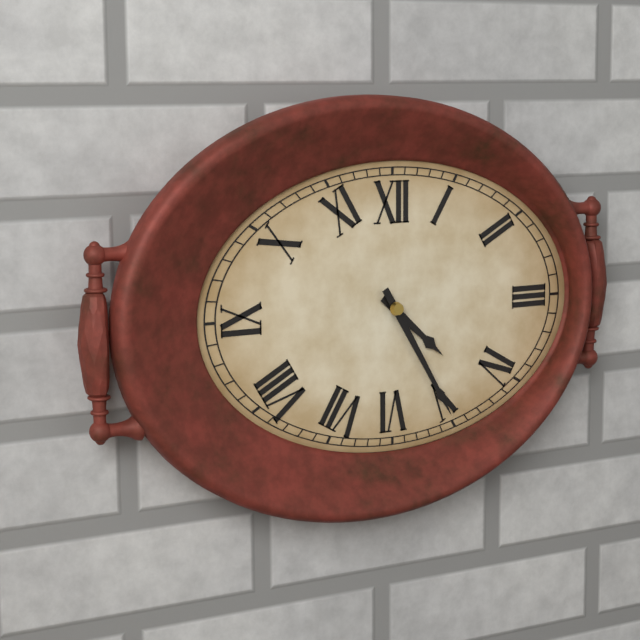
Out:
h=4 m=25
